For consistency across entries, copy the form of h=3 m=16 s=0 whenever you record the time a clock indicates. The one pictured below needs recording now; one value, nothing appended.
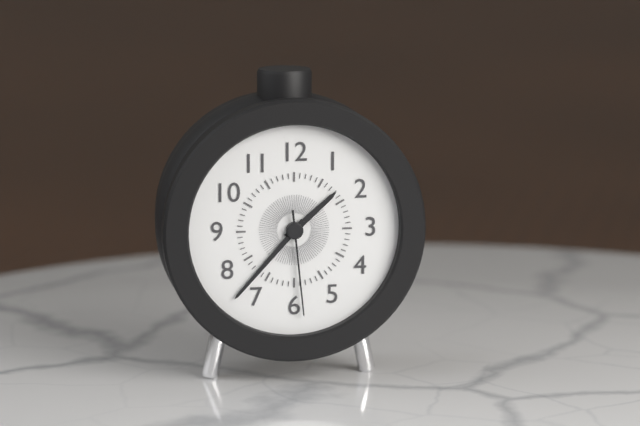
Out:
h=1 m=37 s=29
